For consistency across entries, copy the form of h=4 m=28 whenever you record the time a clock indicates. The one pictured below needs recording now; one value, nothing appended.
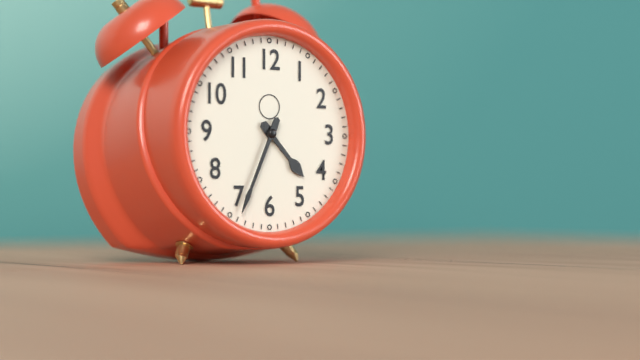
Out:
h=4 m=34
